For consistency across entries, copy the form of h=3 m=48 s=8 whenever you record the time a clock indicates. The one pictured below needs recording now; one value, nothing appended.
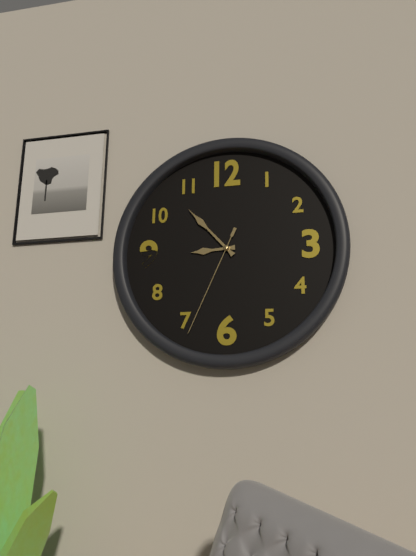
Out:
h=8 m=53 s=34
